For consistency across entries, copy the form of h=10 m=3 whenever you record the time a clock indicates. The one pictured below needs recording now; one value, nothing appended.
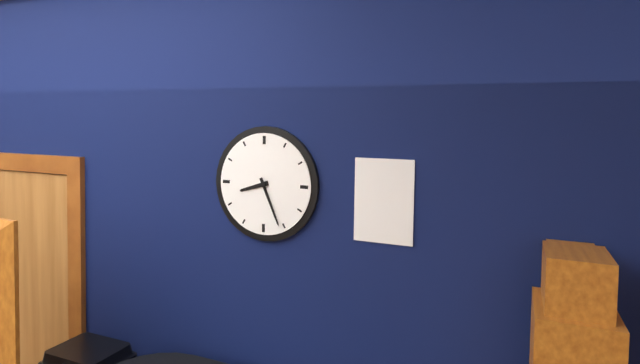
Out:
h=8 m=26
